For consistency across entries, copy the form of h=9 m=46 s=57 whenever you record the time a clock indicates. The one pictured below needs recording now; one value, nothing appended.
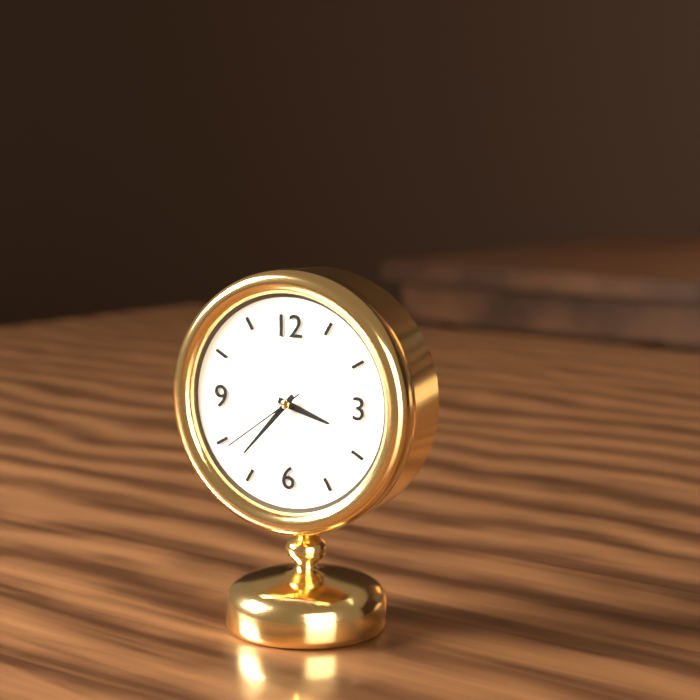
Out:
h=3 m=37 s=39
